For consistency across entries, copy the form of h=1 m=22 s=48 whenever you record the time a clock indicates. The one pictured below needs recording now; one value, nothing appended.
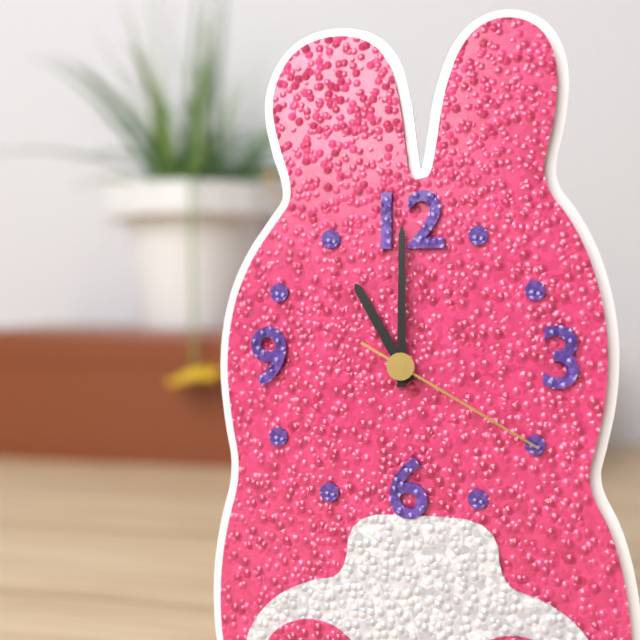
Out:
h=11 m=0 s=20
